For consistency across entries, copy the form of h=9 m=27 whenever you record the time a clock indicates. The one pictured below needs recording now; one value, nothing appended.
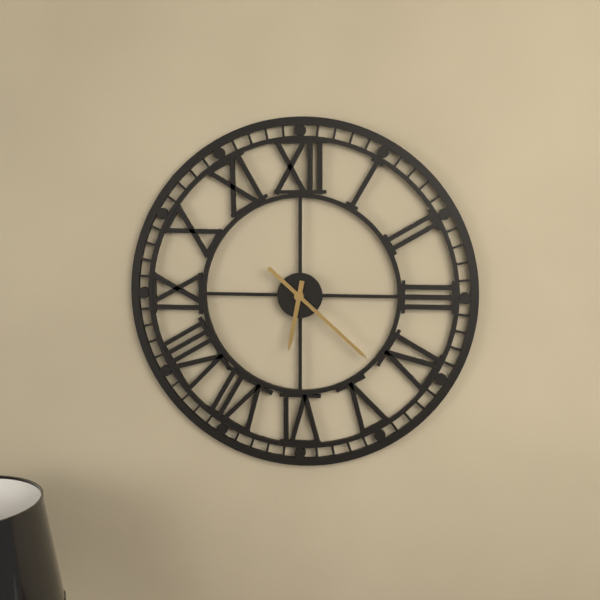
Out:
h=6 m=22
